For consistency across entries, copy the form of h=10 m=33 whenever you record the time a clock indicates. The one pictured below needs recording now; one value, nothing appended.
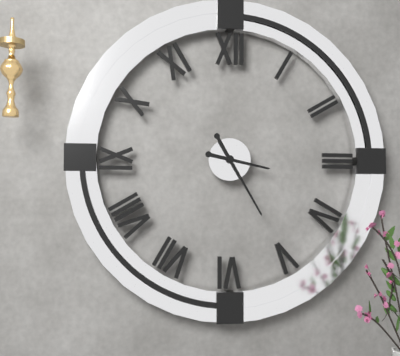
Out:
h=3 m=25
